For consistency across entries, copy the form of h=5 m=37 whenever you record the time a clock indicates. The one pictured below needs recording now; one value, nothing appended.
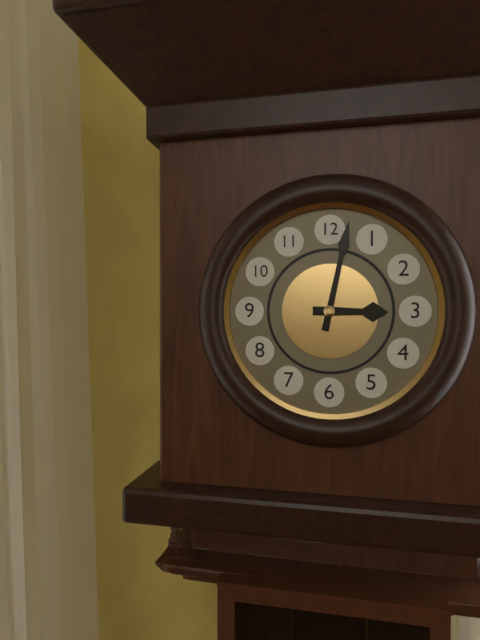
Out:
h=3 m=2
